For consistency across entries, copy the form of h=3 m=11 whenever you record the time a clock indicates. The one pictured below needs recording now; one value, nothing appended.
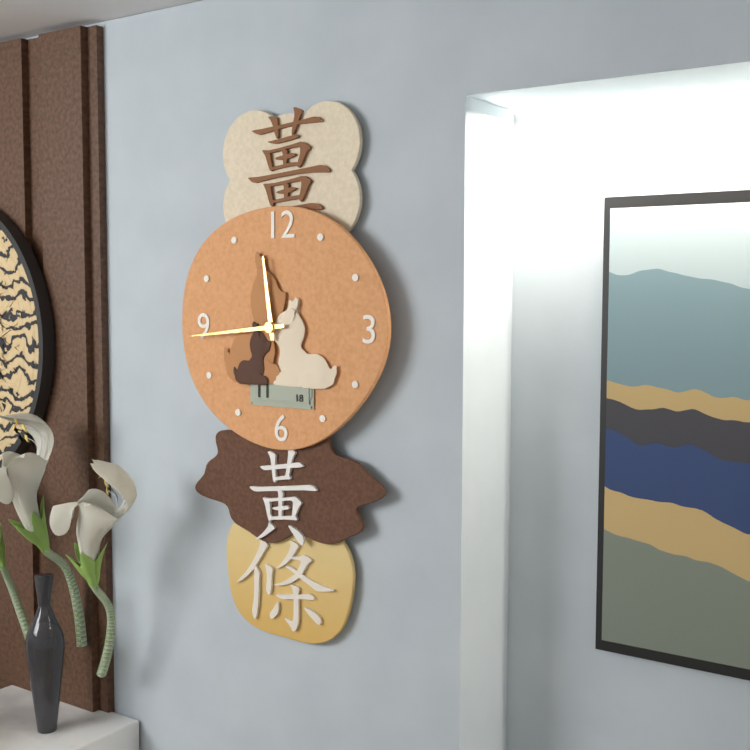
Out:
h=11 m=44
